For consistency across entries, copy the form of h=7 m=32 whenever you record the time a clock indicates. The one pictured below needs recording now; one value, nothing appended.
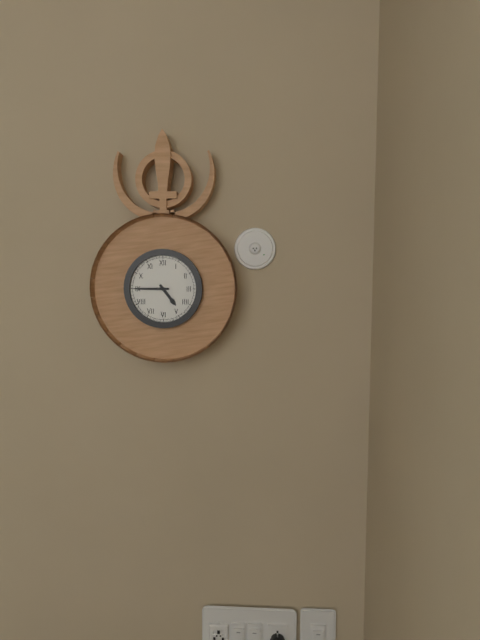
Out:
h=4 m=45
